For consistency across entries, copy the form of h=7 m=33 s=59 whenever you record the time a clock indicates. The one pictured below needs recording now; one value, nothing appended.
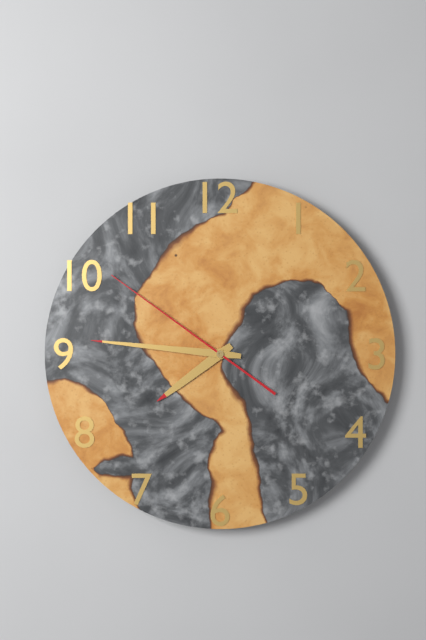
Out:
h=7 m=46 s=51
